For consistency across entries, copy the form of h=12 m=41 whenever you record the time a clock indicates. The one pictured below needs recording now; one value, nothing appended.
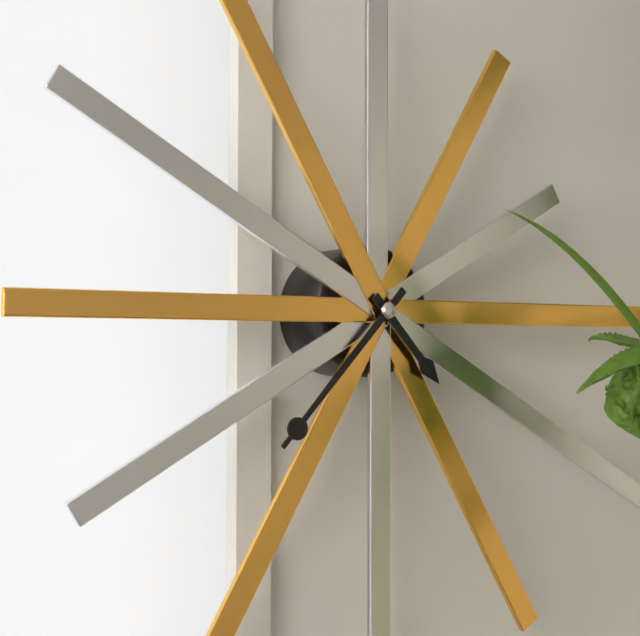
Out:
h=4 m=37
